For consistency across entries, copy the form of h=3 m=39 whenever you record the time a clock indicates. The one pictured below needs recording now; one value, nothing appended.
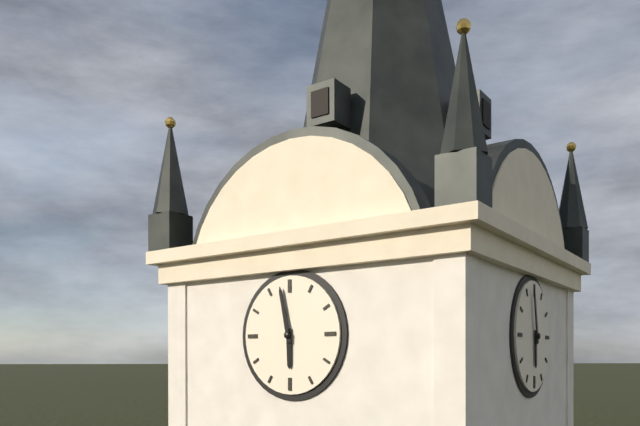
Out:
h=5 m=58
